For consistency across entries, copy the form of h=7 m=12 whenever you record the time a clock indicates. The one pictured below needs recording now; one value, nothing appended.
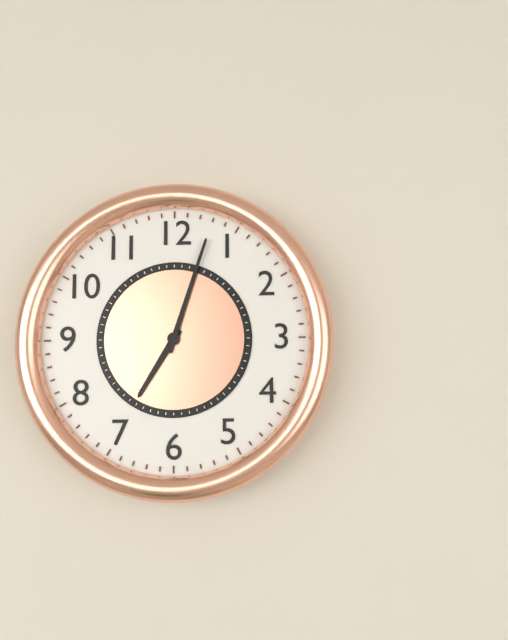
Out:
h=7 m=3
